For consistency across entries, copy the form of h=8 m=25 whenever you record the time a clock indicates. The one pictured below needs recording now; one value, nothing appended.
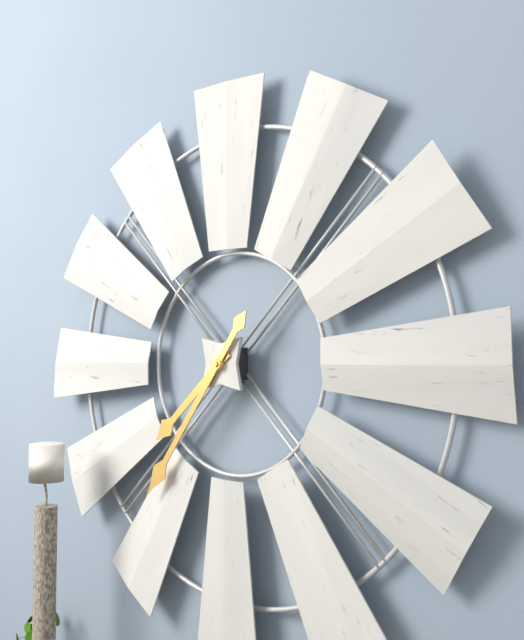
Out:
h=7 m=36
